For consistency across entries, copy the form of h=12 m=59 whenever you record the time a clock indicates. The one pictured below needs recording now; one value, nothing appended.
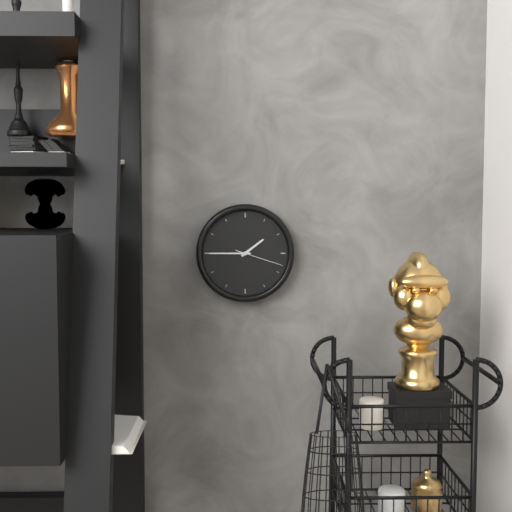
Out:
h=1 m=45
